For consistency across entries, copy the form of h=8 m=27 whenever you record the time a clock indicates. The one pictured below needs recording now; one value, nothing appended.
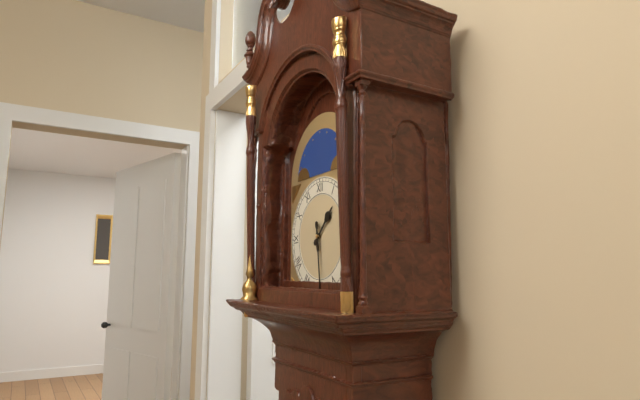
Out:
h=1 m=29
